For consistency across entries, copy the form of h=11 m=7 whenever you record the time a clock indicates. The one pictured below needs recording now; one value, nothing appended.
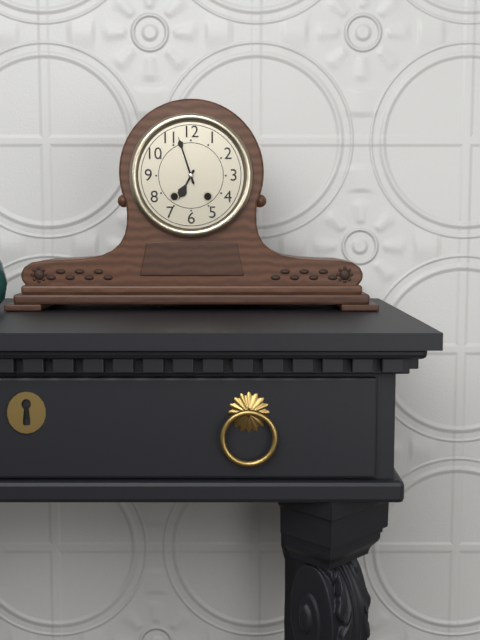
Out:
h=6 m=57
